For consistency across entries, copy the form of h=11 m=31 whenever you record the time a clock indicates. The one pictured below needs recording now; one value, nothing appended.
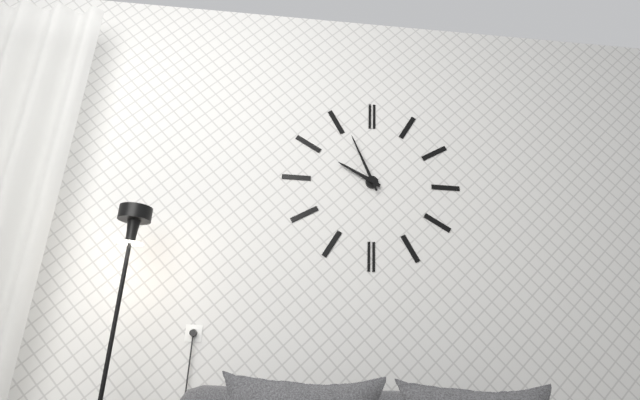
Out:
h=9 m=56
